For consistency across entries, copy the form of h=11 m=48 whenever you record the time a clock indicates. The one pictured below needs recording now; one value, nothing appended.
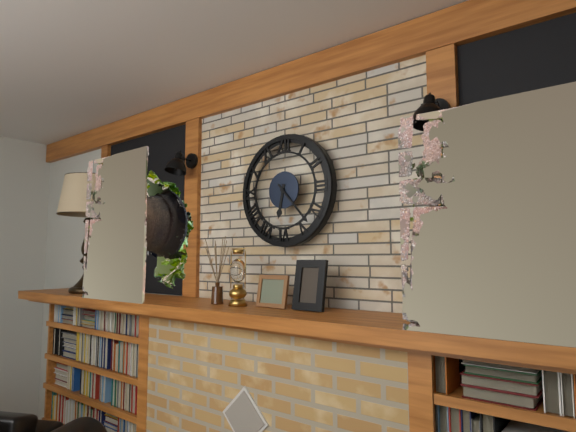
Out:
h=6 m=23
